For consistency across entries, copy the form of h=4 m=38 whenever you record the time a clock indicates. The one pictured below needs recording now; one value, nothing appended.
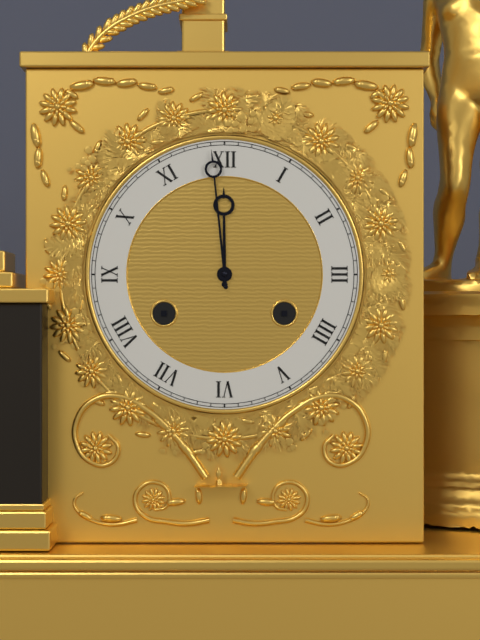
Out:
h=11 m=59
